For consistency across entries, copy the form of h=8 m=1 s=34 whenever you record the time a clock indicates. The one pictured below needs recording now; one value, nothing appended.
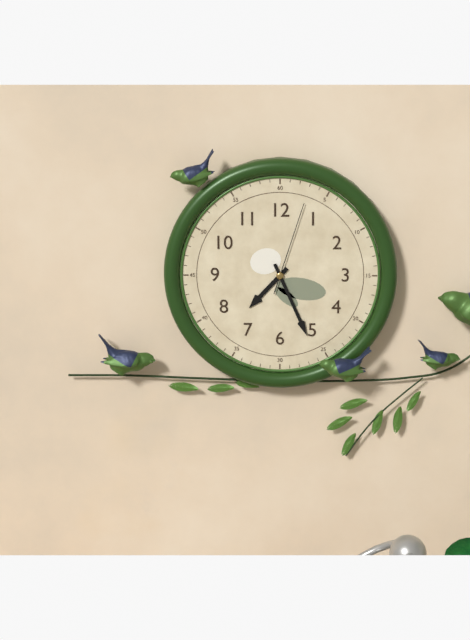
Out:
h=7 m=26 s=3
